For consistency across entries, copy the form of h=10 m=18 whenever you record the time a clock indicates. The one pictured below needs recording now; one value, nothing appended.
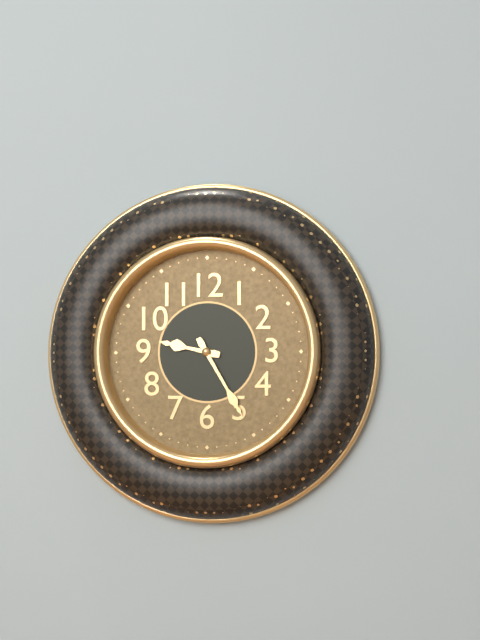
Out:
h=9 m=25
